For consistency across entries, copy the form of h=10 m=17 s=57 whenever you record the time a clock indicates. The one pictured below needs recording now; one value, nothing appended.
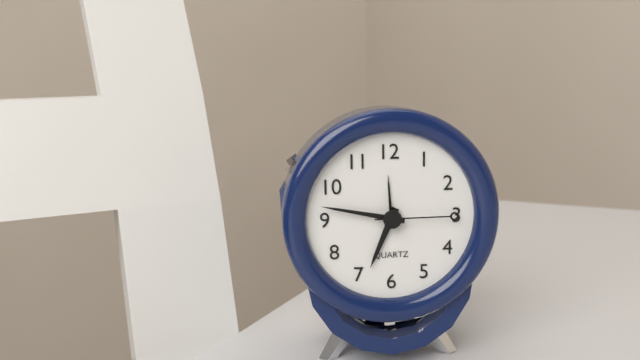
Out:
h=6 m=47 s=15
